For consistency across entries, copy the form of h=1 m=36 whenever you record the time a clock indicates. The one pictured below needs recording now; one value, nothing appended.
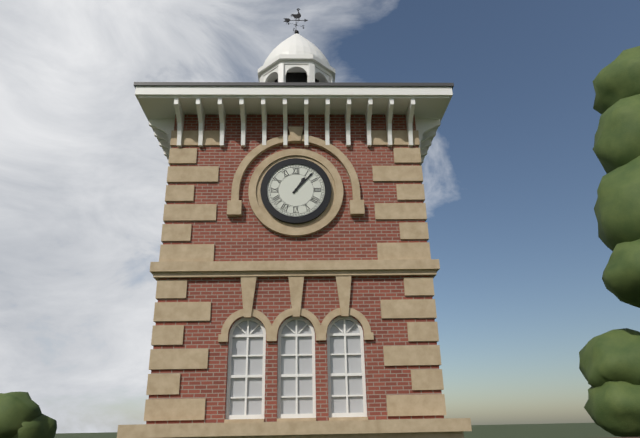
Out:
h=1 m=7
